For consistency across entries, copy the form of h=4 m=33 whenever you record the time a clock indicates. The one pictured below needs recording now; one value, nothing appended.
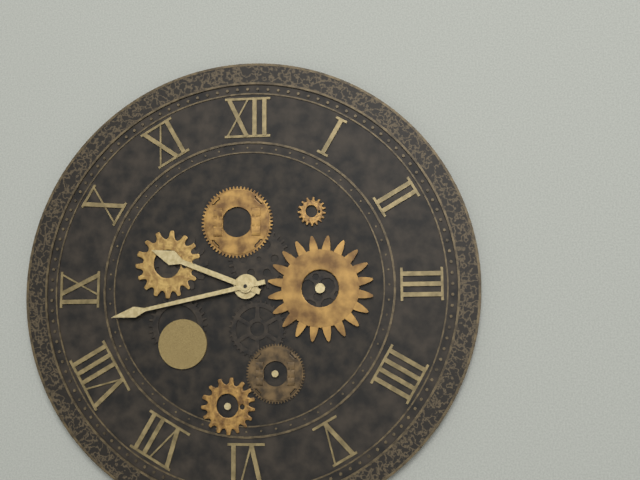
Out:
h=9 m=43
